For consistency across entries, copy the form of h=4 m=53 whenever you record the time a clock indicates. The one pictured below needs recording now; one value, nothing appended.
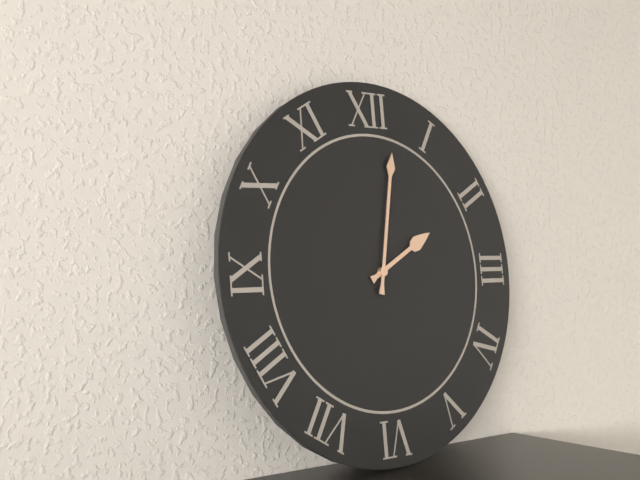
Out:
h=2 m=2
